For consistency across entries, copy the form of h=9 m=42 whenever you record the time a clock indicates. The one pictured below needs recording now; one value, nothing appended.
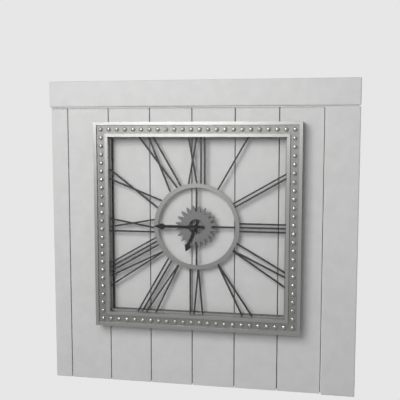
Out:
h=6 m=45
